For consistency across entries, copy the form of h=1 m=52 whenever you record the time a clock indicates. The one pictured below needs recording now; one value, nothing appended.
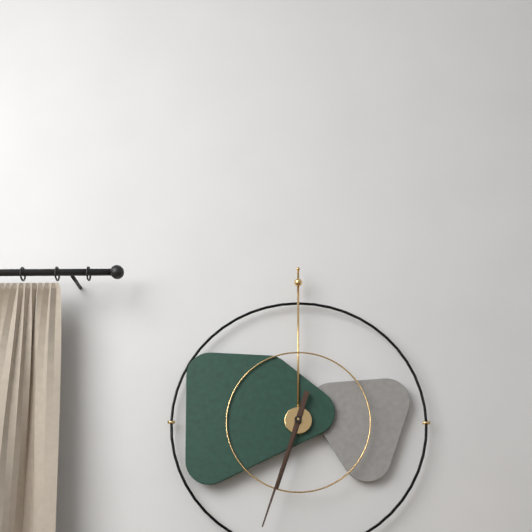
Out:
h=6 m=33
